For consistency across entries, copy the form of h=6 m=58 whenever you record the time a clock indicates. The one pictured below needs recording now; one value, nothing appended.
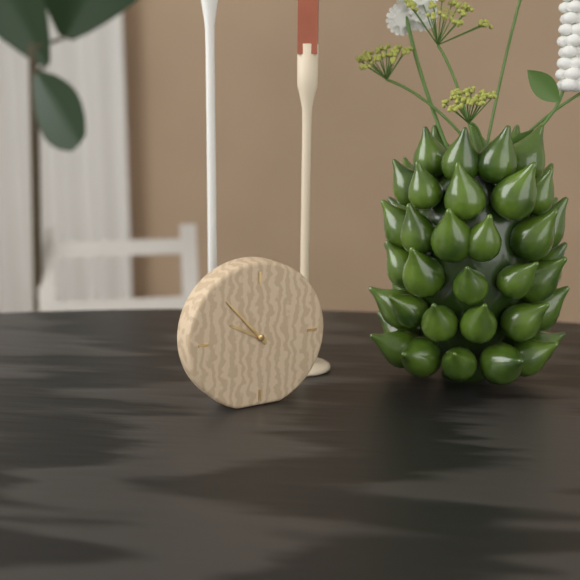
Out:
h=9 m=53
